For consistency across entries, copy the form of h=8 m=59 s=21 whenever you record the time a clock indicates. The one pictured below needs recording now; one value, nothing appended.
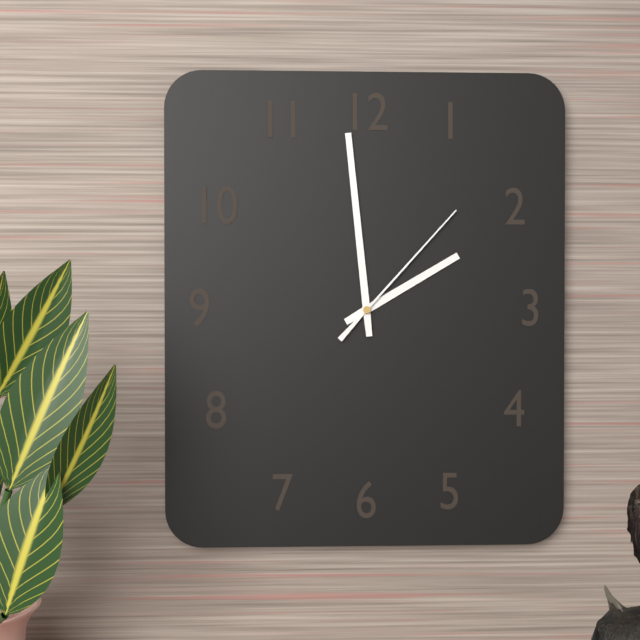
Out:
h=1 m=59 s=7
